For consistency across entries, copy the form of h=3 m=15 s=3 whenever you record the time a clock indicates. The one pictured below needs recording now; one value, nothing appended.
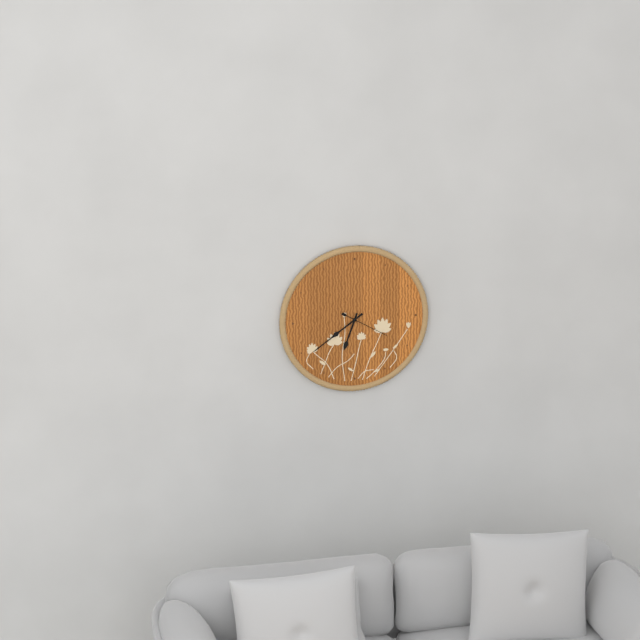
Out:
h=6 m=39 s=20
